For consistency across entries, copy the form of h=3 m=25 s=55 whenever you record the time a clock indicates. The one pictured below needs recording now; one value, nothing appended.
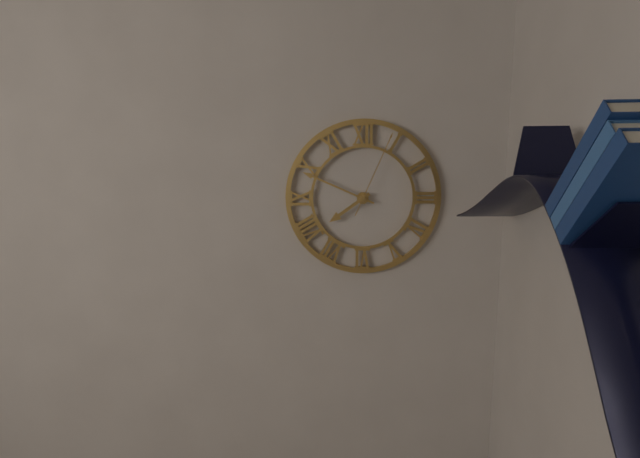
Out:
h=7 m=49 s=4
